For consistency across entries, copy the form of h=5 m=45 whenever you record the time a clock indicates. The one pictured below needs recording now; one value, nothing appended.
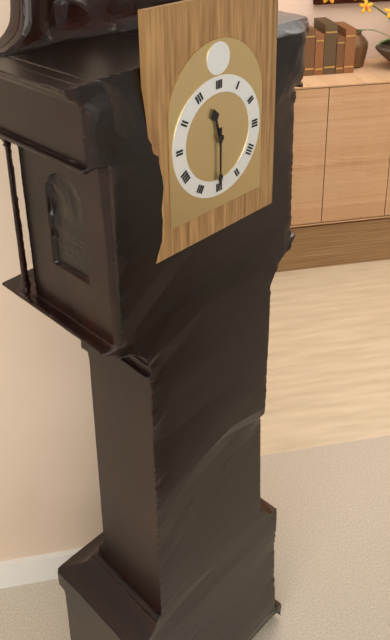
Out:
h=11 m=30
